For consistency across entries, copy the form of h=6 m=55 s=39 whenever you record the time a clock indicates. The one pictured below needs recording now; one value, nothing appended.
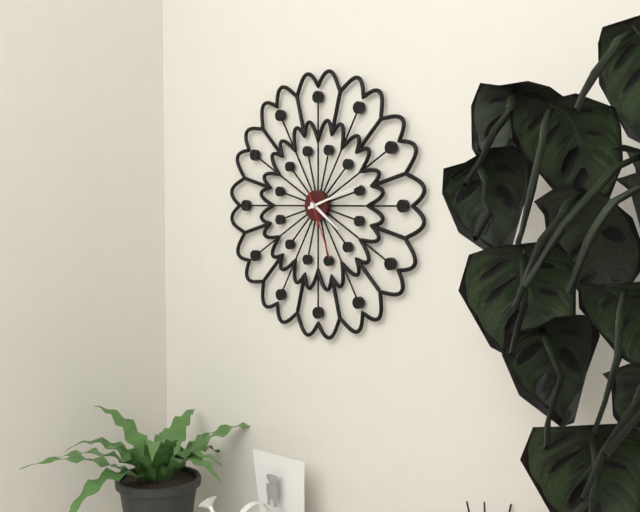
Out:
h=4 m=12 s=26
